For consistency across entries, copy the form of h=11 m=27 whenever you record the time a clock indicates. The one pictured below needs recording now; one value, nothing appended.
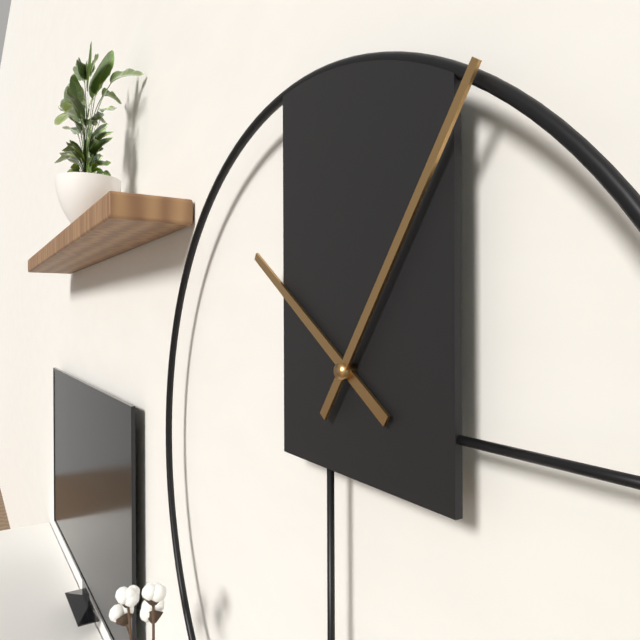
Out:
h=10 m=6
